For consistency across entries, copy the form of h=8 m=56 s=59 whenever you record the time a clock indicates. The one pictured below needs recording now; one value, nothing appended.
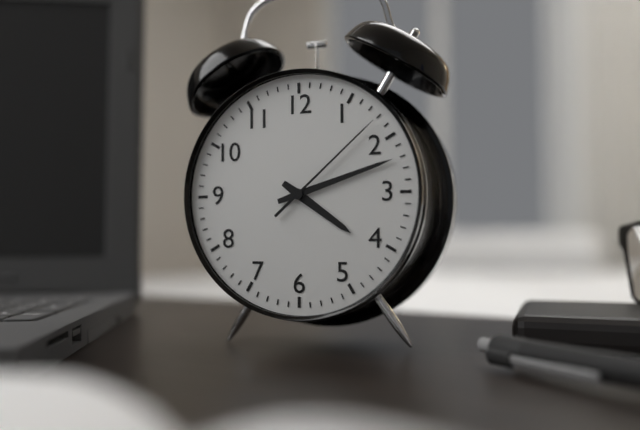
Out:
h=4 m=12 s=8
